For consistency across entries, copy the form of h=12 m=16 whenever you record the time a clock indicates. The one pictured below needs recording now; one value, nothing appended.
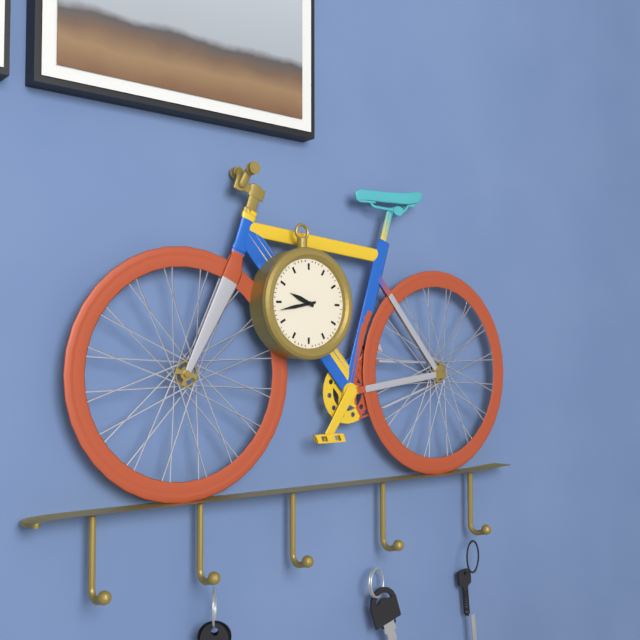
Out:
h=9 m=43
